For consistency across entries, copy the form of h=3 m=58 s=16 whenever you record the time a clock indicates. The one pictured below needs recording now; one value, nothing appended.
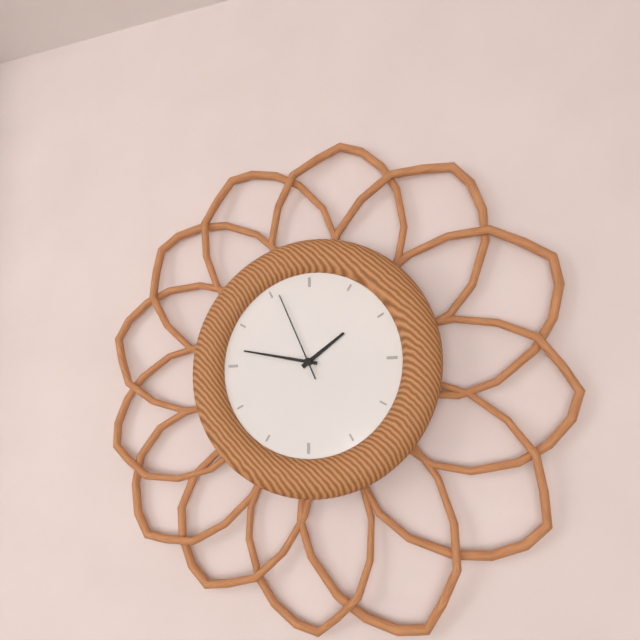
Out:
h=1 m=47 s=56
